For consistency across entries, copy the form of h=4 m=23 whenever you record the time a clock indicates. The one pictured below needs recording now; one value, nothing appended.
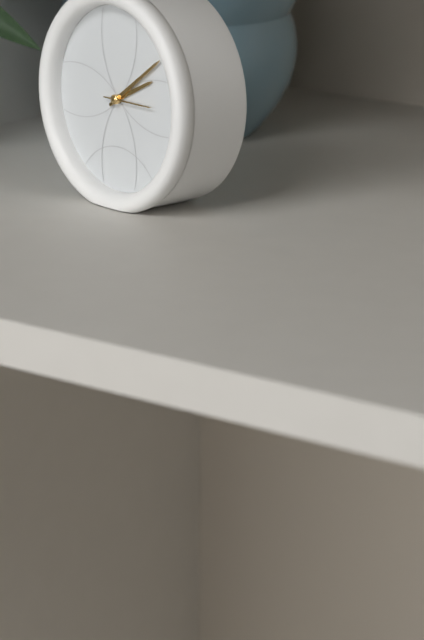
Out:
h=2 m=9
